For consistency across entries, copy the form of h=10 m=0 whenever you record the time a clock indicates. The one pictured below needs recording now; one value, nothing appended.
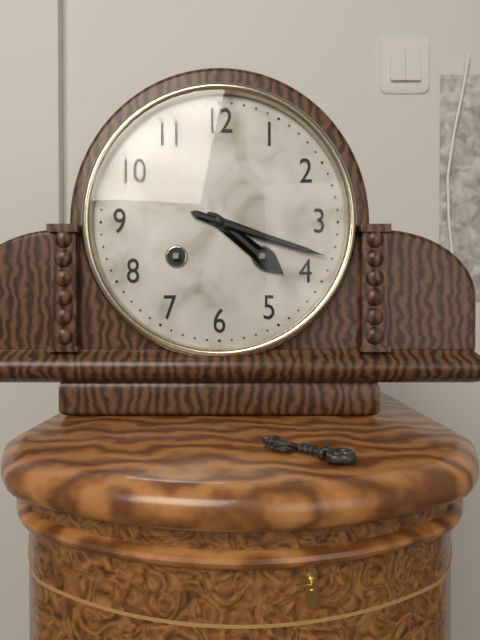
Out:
h=4 m=18
